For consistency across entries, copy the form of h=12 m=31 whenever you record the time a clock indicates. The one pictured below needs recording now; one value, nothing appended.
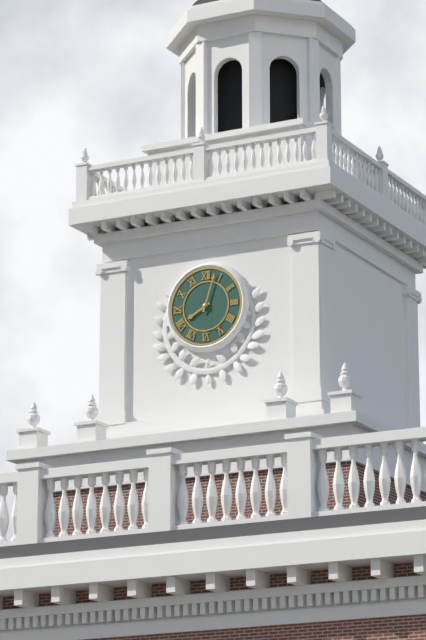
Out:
h=8 m=3
